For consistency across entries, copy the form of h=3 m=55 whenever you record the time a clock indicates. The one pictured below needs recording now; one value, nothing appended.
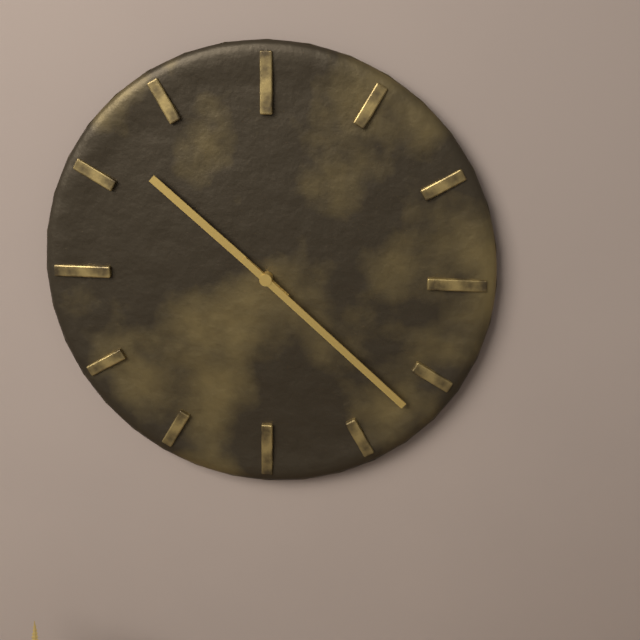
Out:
h=10 m=22
